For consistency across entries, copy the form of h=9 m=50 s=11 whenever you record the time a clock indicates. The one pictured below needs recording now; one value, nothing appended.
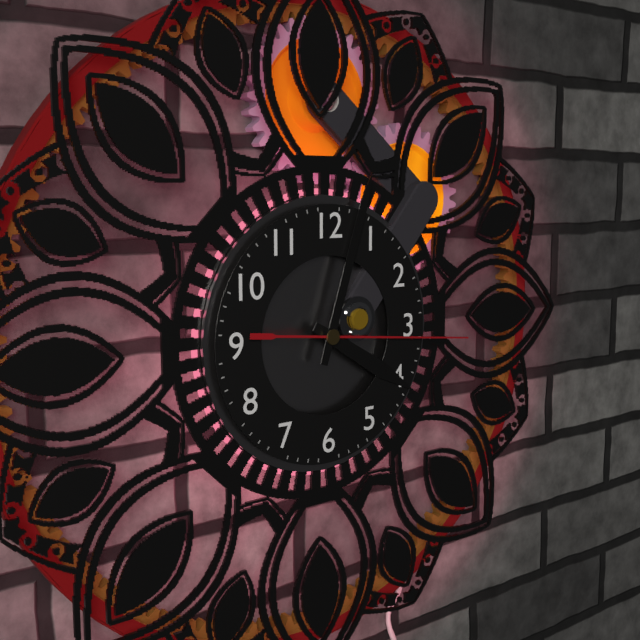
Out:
h=4 m=3 s=16
